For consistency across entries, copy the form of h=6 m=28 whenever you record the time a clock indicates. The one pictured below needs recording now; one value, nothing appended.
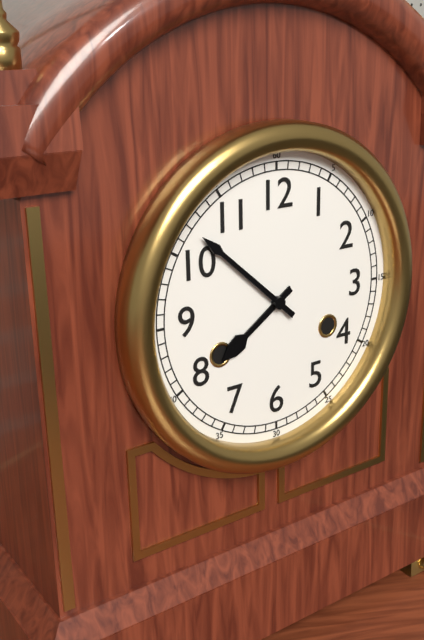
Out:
h=7 m=52
